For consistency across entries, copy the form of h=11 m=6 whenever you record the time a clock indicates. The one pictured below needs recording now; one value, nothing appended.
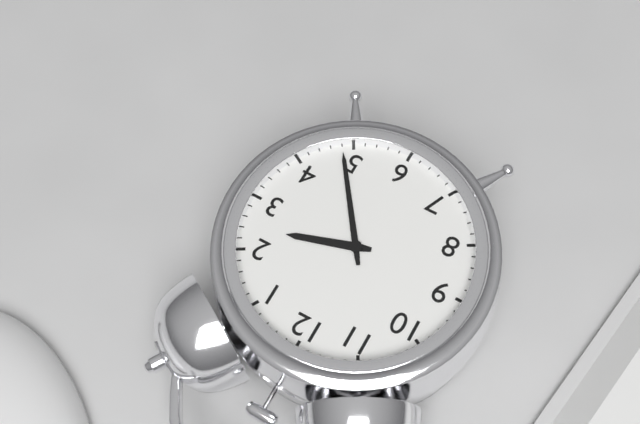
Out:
h=2 m=24
